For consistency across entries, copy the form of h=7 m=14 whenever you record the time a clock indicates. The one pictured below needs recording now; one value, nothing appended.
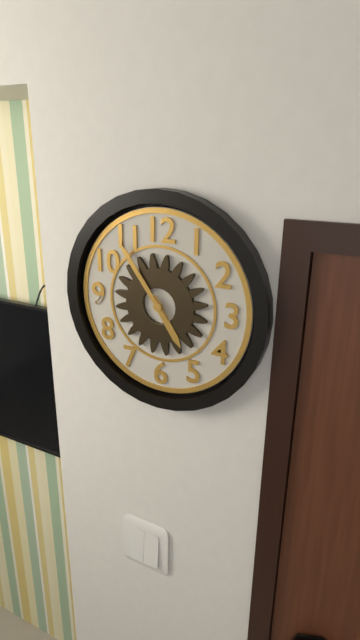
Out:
h=4 m=54
